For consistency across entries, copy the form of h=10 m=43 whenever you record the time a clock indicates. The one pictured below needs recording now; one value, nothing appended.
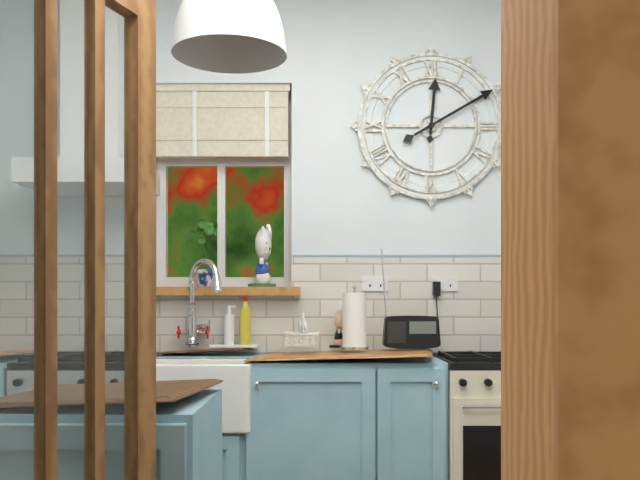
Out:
h=12 m=10
